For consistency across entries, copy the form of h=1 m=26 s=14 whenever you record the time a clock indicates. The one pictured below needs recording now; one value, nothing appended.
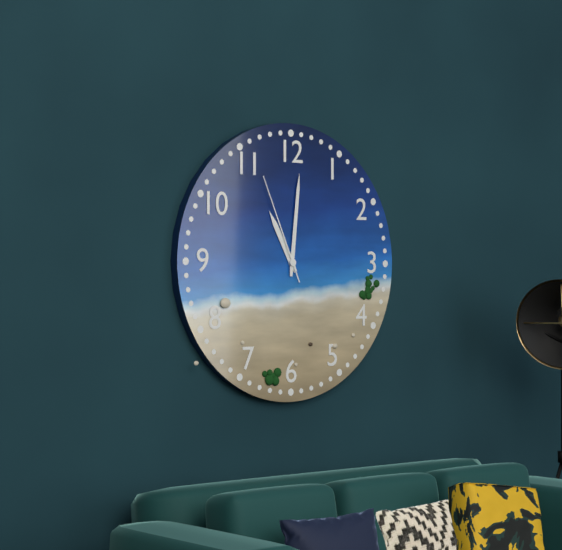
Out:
h=11 m=1 s=56
